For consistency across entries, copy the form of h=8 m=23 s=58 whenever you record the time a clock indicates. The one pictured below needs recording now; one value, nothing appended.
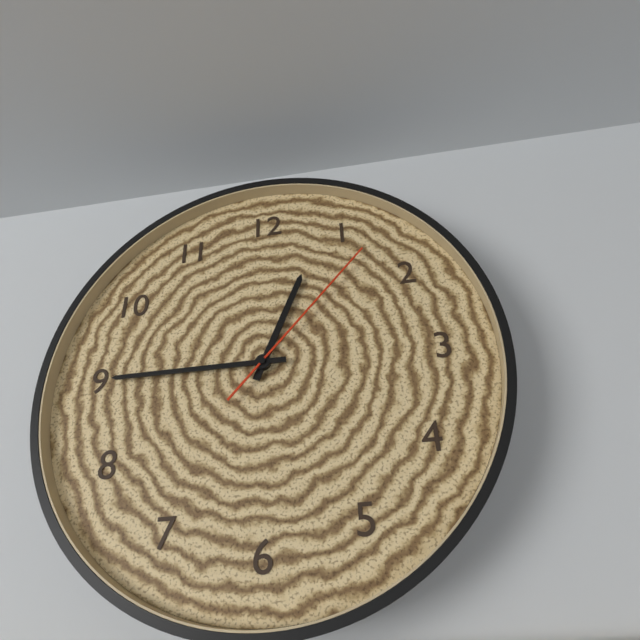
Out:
h=12 m=45 s=7
